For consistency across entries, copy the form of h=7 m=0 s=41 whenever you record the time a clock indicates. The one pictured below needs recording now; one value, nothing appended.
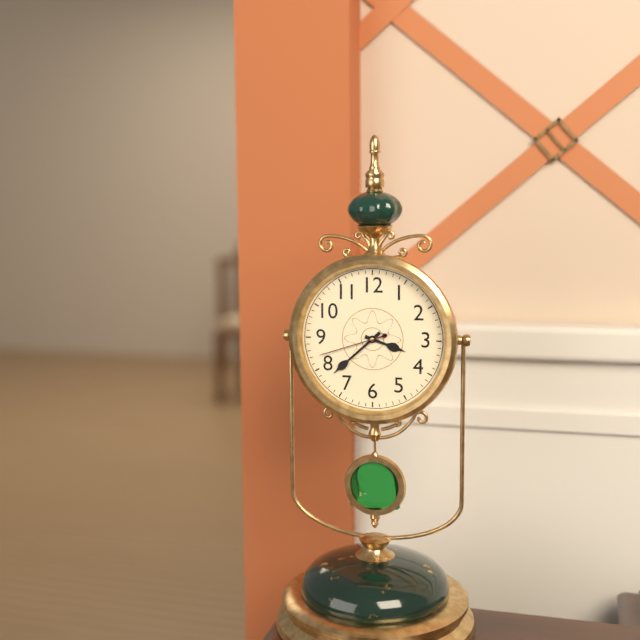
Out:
h=3 m=38 s=42
